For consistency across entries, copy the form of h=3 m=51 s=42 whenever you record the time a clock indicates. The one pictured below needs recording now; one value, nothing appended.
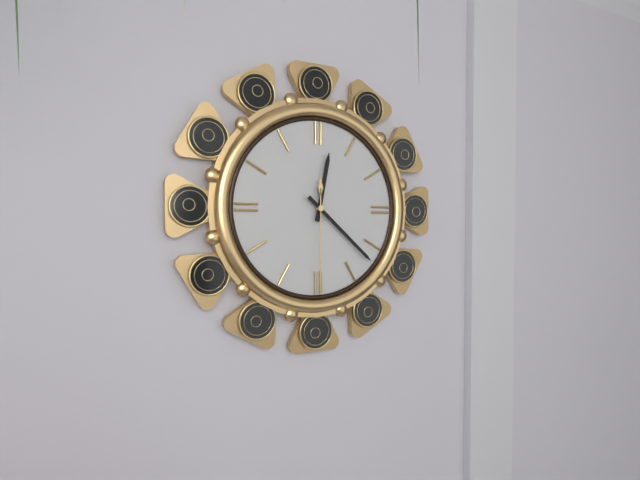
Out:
h=12 m=22 s=30
